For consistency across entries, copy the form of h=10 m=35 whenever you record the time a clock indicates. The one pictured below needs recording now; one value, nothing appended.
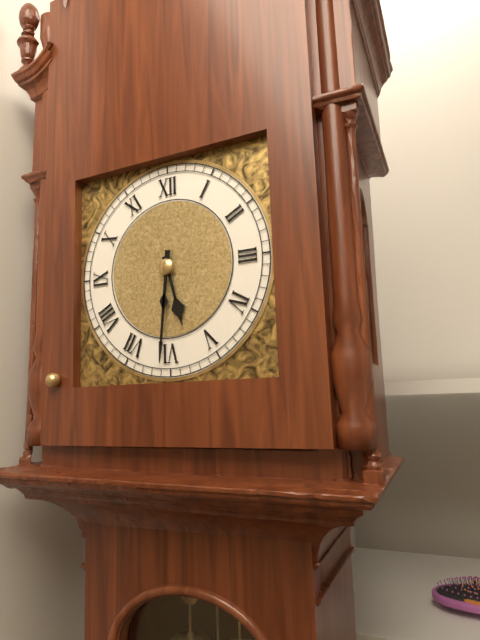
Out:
h=5 m=31
